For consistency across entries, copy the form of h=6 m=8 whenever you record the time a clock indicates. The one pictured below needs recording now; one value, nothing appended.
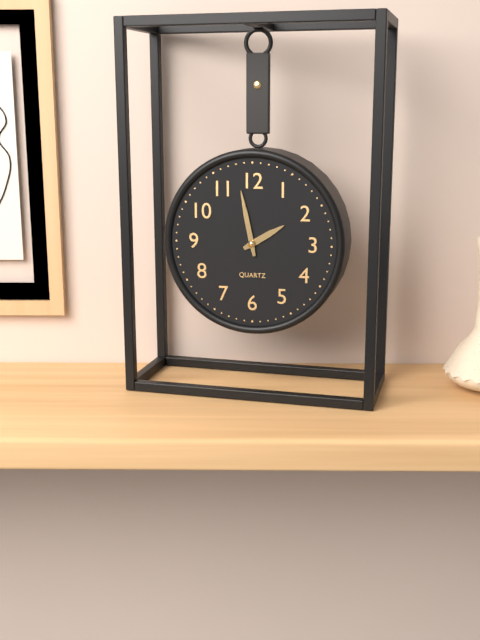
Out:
h=1 m=58
